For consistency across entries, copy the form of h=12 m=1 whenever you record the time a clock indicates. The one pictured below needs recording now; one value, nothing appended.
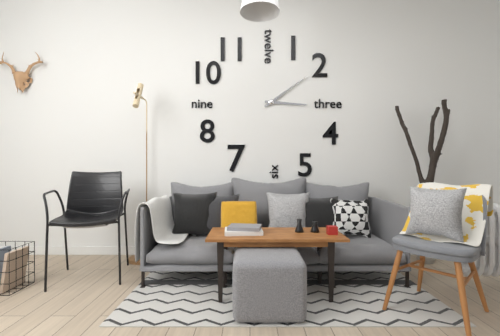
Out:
h=3 m=9
